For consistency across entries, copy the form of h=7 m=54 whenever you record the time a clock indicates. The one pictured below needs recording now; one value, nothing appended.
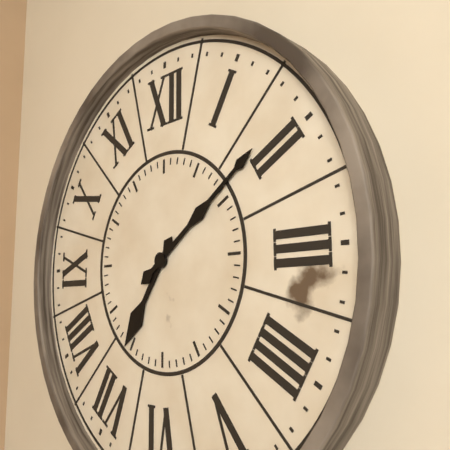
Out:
h=7 m=9
